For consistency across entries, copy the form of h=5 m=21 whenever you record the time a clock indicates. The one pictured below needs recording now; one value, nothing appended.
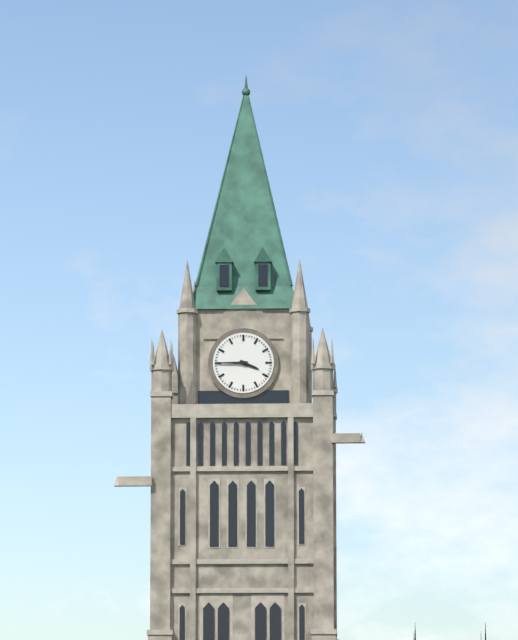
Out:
h=3 m=45
